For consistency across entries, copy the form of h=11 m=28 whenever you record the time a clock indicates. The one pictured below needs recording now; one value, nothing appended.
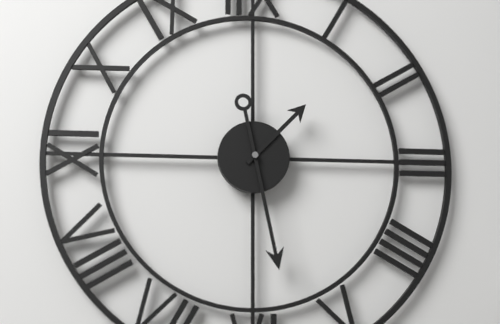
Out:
h=1 m=28
